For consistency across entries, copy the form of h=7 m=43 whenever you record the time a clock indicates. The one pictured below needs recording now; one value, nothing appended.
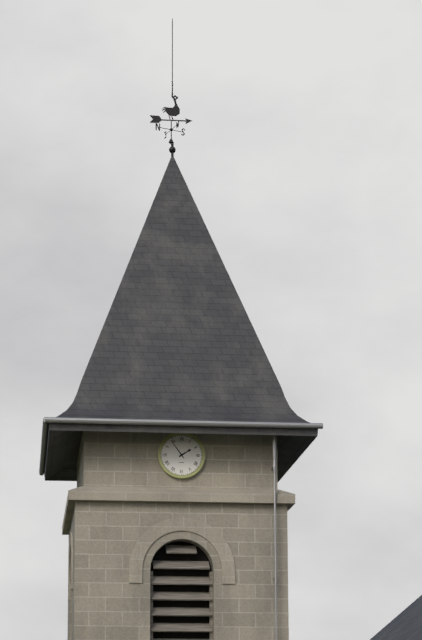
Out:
h=1 m=54
